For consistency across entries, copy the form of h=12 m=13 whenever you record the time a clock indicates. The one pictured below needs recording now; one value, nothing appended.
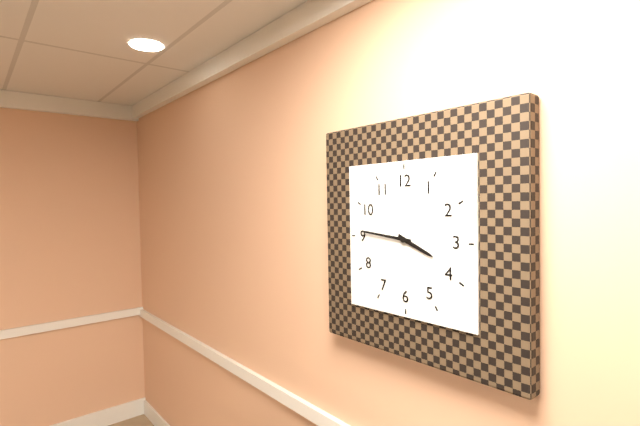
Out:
h=3 m=46
